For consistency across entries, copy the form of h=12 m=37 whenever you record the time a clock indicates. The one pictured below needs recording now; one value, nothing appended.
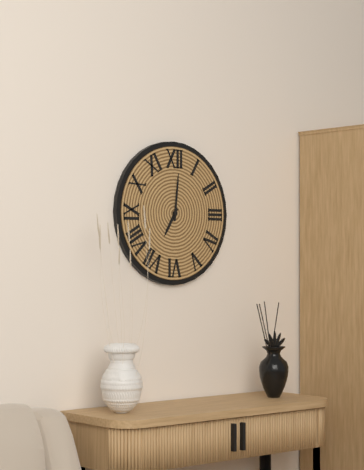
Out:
h=7 m=1
